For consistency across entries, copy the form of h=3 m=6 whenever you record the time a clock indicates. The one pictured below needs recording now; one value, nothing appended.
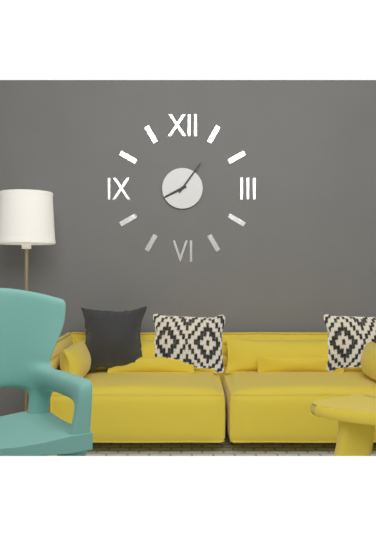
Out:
h=8 m=6
